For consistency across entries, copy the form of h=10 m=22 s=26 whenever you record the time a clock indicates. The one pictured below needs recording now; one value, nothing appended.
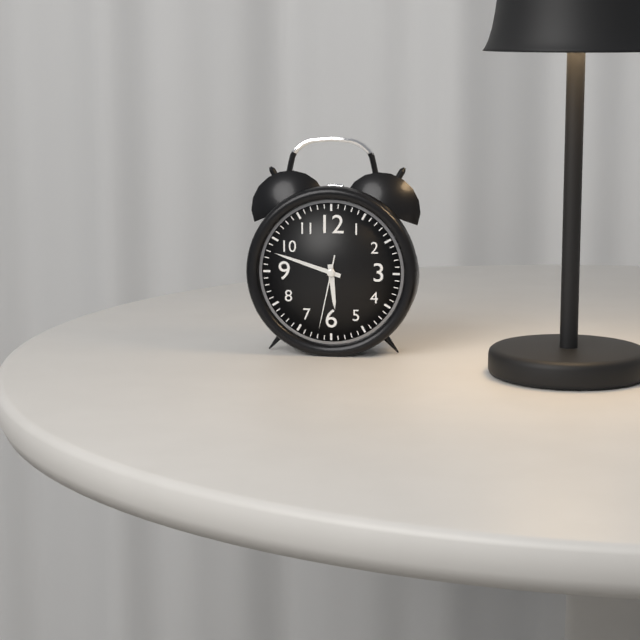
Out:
h=5 m=48 s=32
